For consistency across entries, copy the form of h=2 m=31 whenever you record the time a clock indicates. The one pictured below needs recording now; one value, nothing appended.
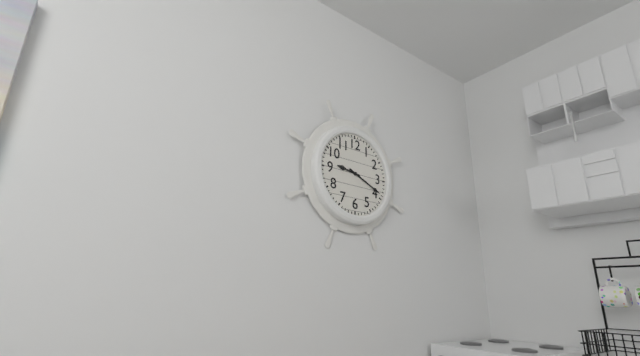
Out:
h=9 m=19
